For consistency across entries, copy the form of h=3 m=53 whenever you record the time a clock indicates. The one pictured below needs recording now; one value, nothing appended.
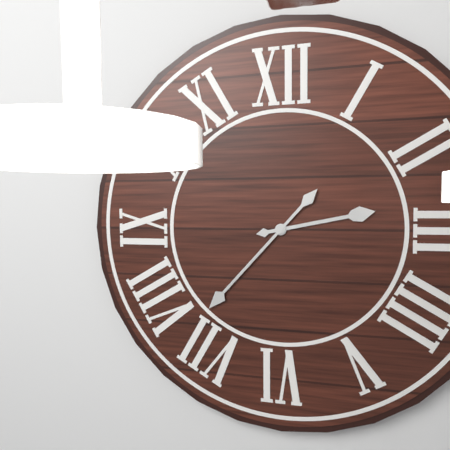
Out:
h=2 m=37
